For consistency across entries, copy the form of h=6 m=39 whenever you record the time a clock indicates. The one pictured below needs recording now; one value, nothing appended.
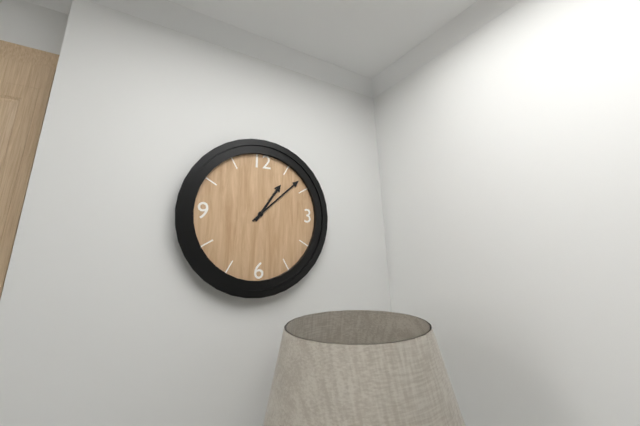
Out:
h=1 m=8
